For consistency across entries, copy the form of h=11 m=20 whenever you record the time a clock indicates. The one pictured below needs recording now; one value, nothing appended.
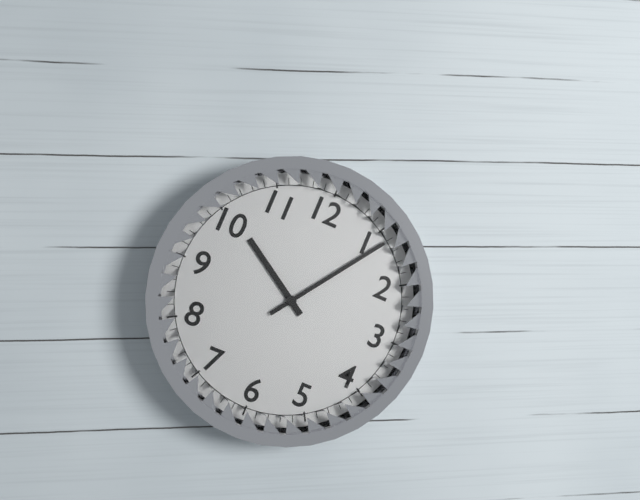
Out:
h=10 m=6
